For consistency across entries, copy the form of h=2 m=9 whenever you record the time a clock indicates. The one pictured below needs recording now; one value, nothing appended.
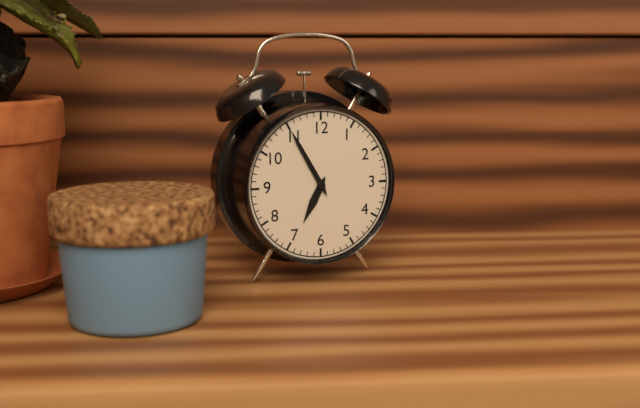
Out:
h=6 m=55
